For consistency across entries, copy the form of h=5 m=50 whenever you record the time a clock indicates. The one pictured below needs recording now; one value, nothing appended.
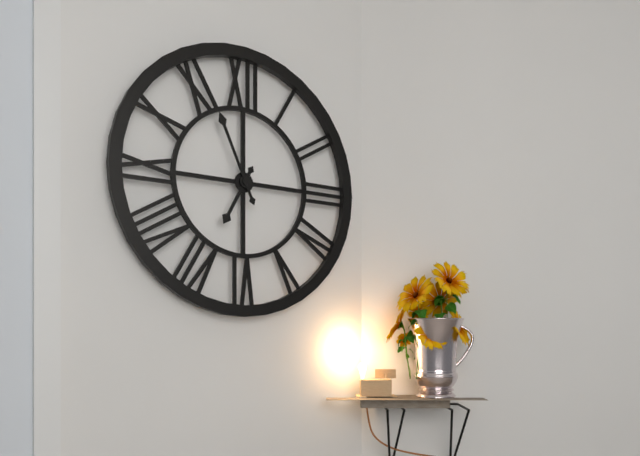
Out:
h=6 m=56
